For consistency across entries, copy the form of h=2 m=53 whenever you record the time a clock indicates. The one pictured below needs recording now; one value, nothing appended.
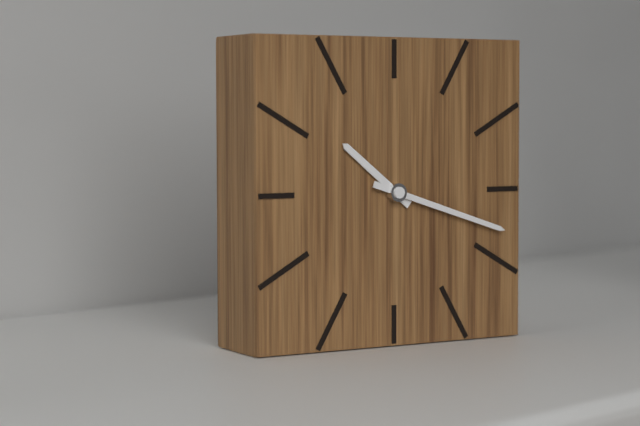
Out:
h=10 m=18
